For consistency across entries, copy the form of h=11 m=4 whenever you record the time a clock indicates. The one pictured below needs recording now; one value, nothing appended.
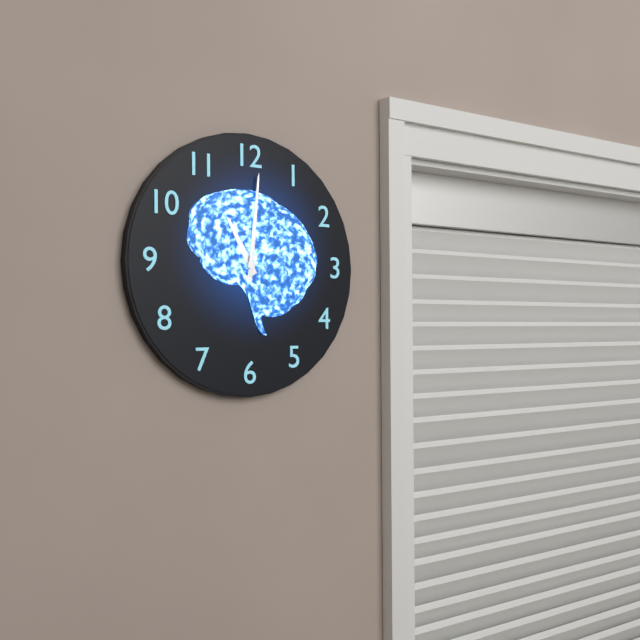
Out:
h=11 m=1
